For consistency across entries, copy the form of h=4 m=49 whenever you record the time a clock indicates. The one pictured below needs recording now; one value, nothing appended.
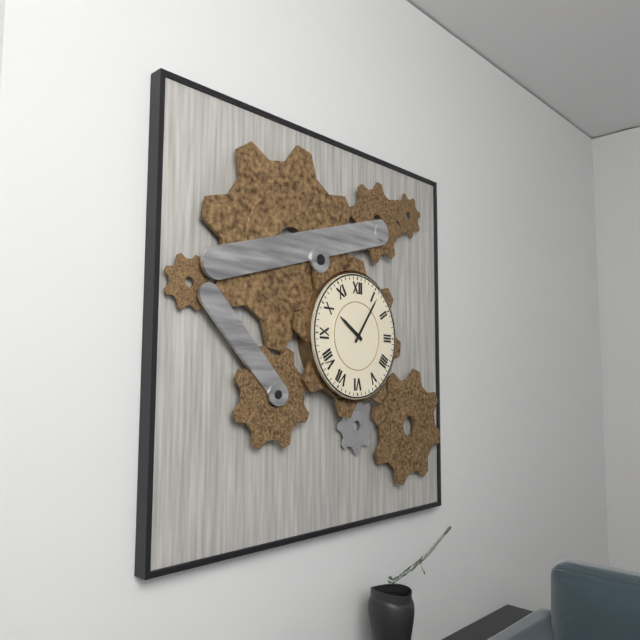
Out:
h=10 m=6
